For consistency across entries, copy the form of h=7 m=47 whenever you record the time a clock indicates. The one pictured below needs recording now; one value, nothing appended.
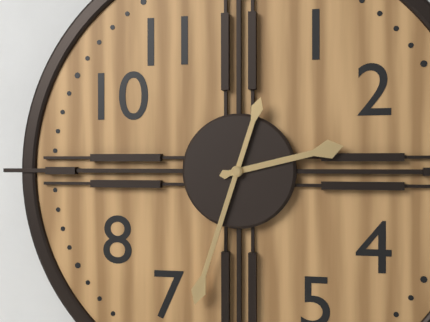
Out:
h=2 m=33
